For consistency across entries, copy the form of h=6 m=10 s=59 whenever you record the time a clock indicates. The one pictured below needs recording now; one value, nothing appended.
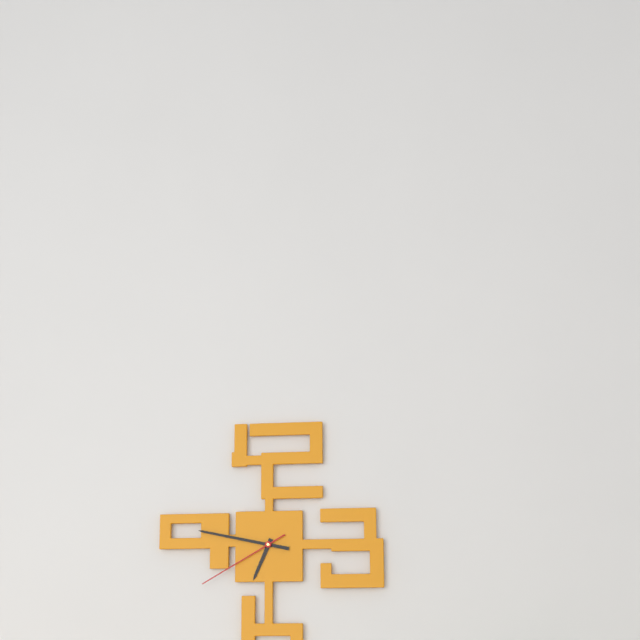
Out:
h=6 m=47 s=40
